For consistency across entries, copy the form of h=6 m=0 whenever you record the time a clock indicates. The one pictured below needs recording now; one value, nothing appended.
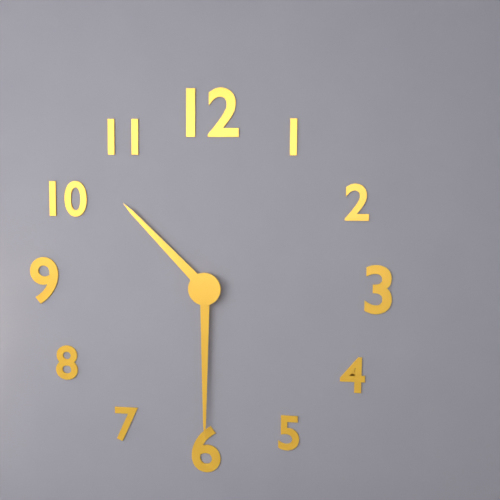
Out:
h=10 m=30
